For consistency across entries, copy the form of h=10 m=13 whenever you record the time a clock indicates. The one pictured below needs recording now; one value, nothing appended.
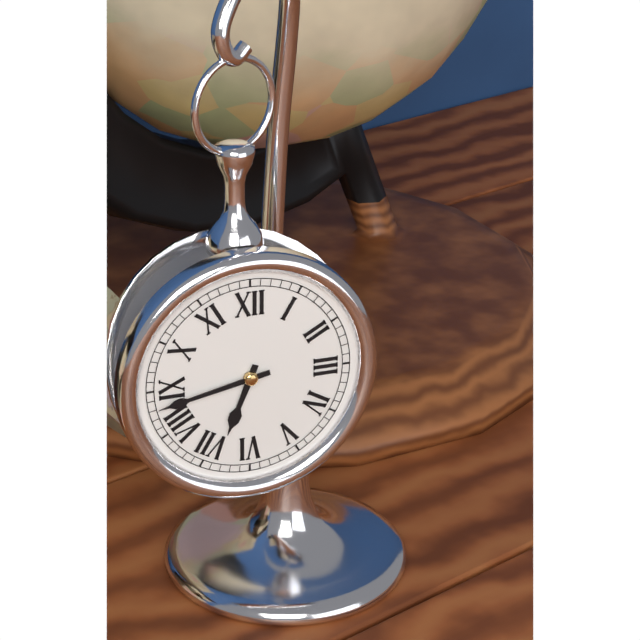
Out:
h=6 m=43
